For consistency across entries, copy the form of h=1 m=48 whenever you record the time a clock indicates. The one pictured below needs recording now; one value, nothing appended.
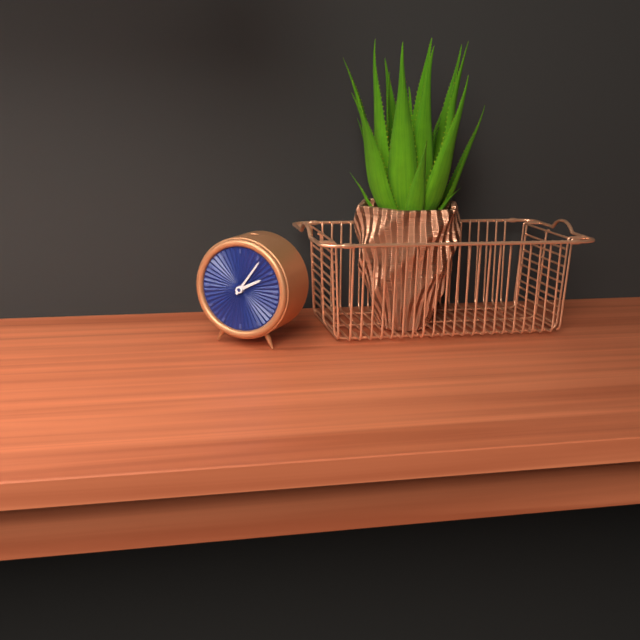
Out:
h=2 m=6
